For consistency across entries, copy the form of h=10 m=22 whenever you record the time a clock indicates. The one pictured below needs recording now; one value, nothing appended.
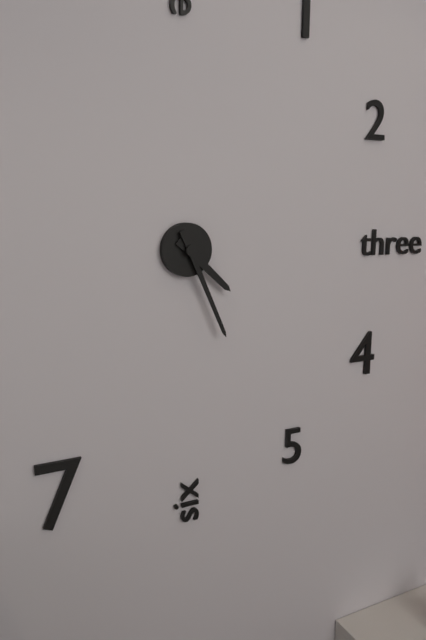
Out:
h=4 m=26
